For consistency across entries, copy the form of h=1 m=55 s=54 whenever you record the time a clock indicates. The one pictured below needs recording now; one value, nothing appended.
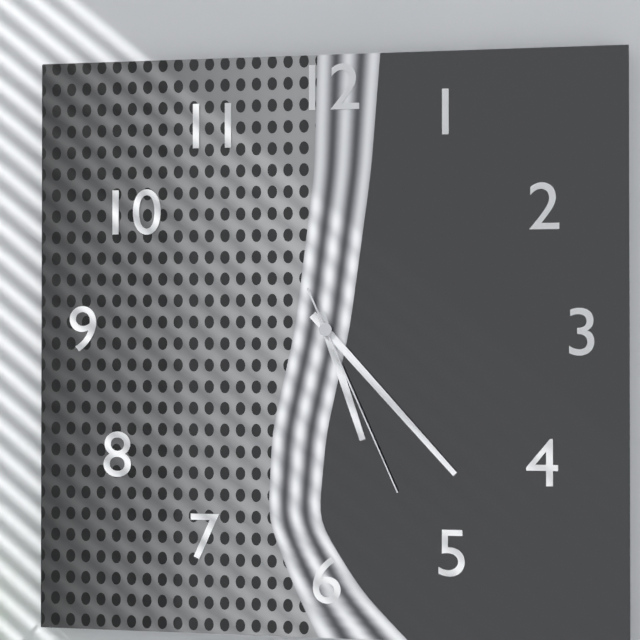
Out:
h=5 m=23 s=26
